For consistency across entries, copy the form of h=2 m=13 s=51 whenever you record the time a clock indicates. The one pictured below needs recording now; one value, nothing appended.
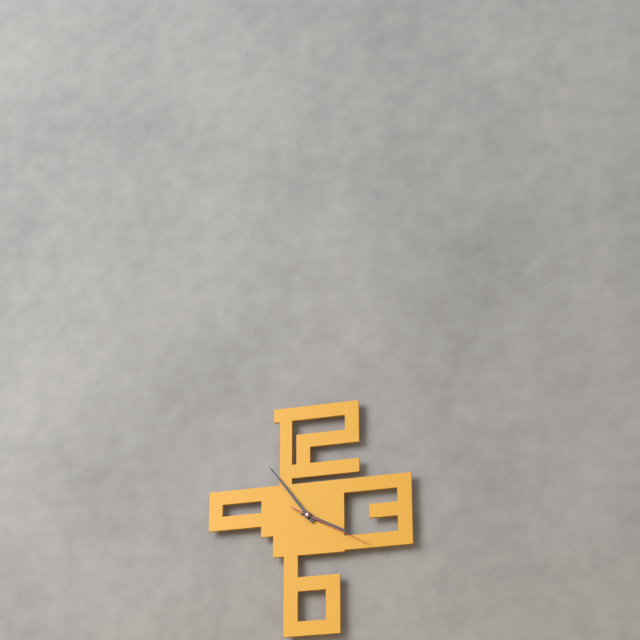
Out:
h=3 m=54 s=20
